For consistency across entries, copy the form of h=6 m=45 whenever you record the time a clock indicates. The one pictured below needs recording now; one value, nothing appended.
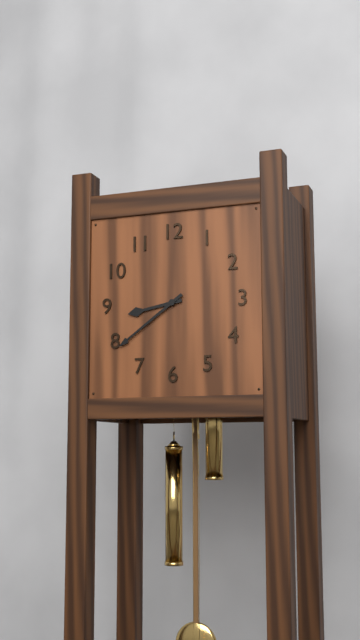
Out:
h=8 m=39
